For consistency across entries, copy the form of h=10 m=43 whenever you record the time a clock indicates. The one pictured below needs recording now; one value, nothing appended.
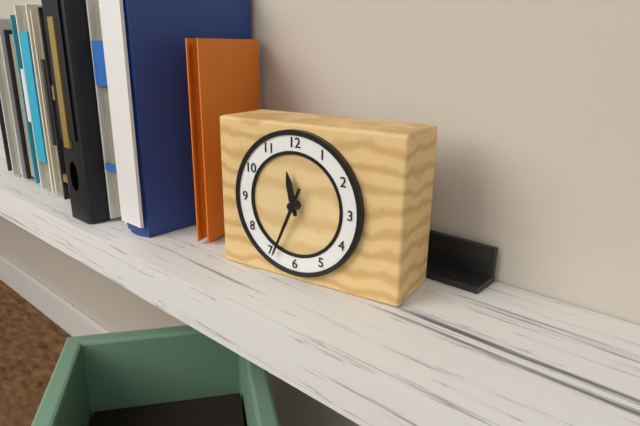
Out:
h=11 m=34
